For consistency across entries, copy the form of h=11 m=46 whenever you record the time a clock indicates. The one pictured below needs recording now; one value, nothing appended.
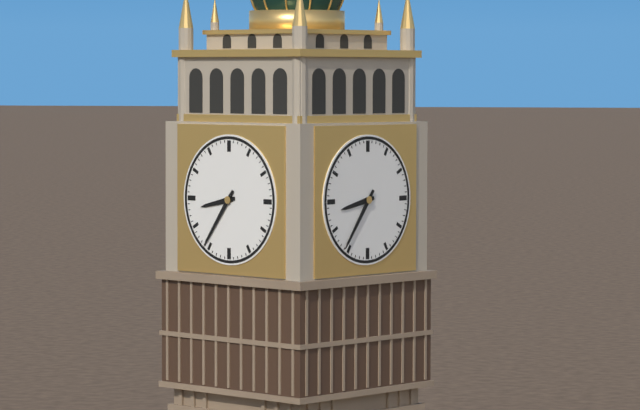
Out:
h=8 m=36
